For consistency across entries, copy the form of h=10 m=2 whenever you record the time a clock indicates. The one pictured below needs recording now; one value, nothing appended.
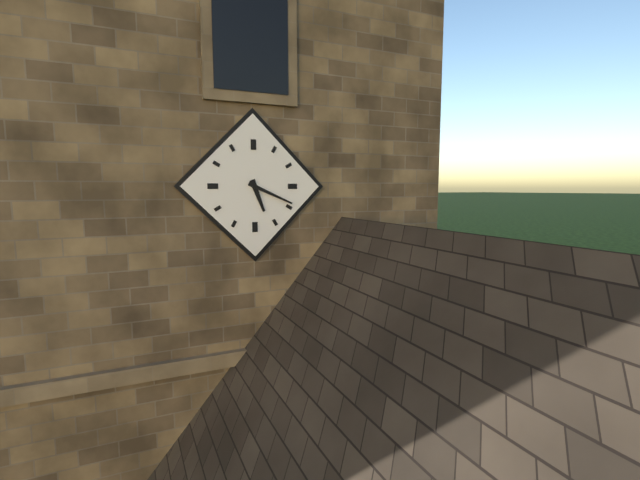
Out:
h=5 m=19
